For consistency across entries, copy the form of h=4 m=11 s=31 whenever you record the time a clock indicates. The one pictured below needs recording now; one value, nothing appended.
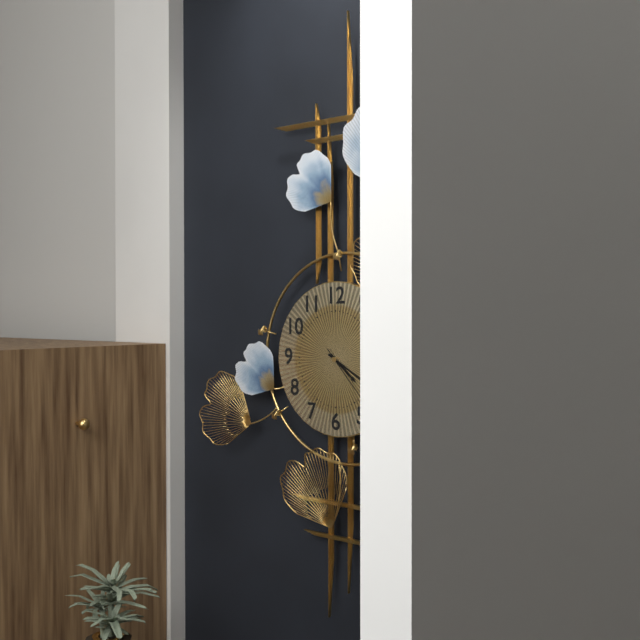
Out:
h=4 m=20 s=23
